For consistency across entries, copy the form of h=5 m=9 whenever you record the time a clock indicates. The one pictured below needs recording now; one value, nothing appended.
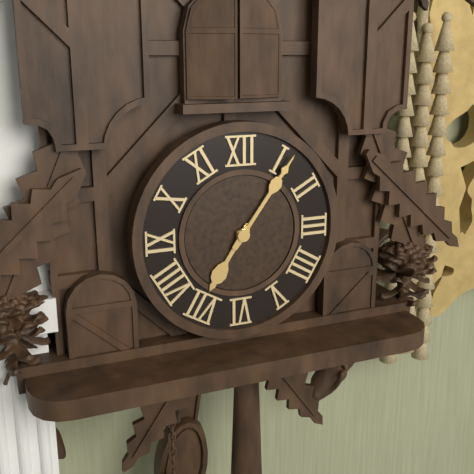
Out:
h=7 m=6
